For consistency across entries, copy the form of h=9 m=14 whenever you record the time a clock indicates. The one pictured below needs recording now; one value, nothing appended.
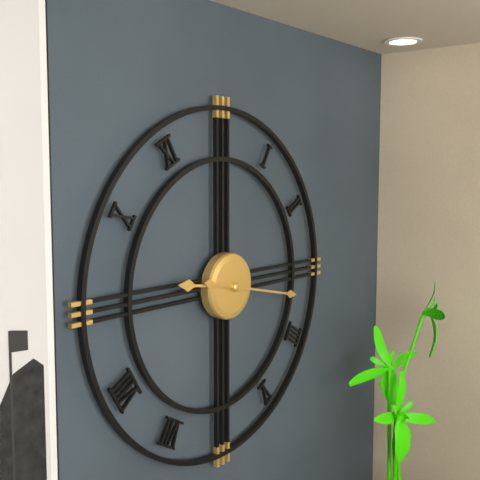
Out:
h=9 m=17
